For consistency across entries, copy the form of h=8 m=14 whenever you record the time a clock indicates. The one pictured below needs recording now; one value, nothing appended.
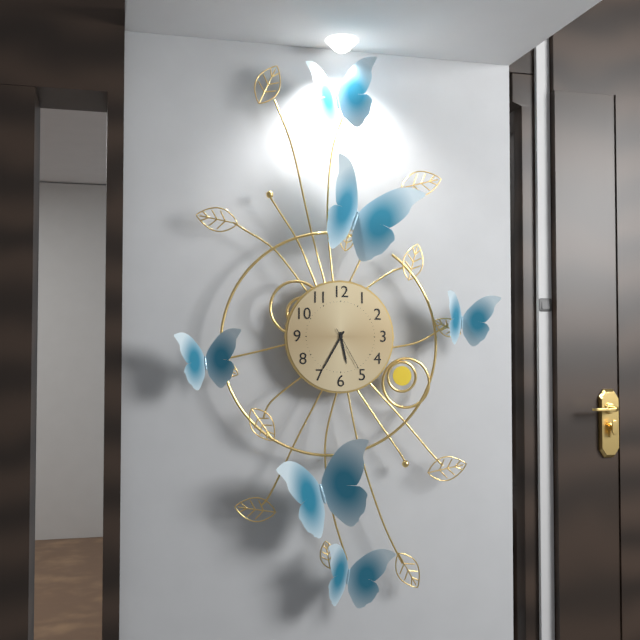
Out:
h=5 m=35
